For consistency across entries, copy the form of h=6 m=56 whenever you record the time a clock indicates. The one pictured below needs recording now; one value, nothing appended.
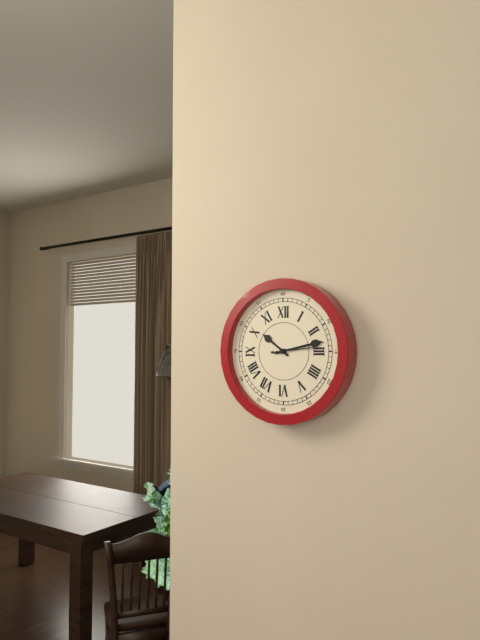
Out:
h=10 m=13
